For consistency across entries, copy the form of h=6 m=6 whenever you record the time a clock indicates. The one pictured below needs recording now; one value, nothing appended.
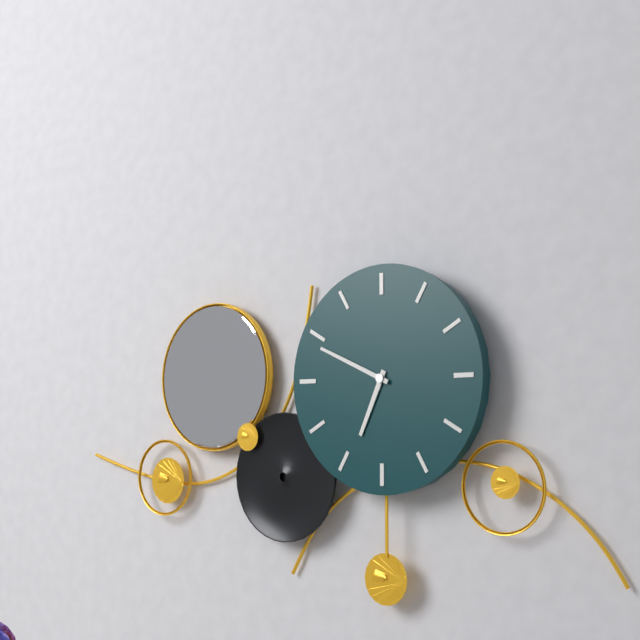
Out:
h=6 m=49
